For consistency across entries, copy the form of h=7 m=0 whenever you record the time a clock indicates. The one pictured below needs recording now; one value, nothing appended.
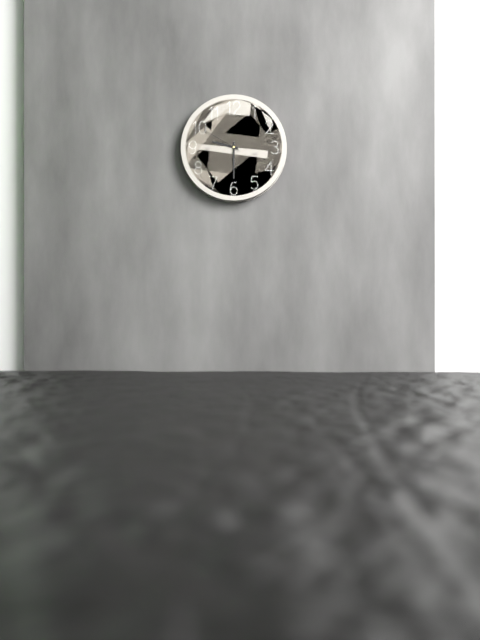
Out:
h=9 m=30
